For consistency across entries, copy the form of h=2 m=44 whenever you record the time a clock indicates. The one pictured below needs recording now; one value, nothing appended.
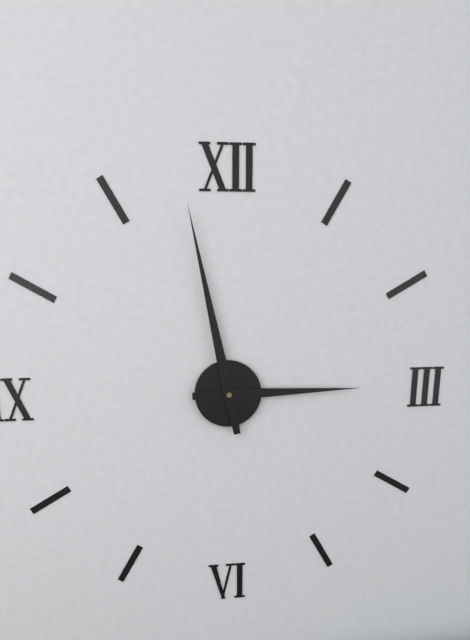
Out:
h=2 m=58
